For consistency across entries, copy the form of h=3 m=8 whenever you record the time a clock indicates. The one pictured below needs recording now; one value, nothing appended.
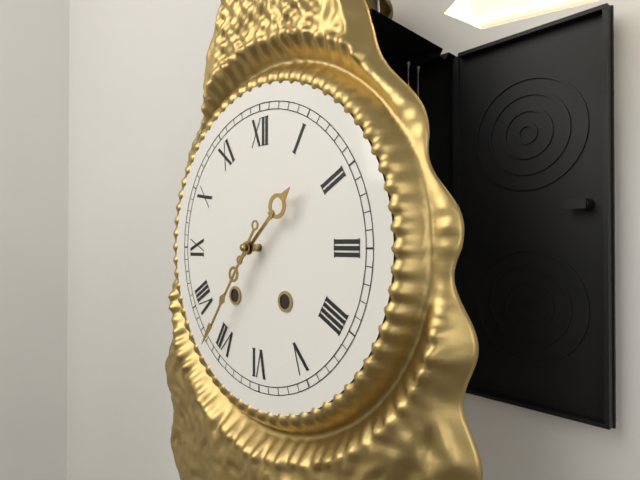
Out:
h=1 m=36
